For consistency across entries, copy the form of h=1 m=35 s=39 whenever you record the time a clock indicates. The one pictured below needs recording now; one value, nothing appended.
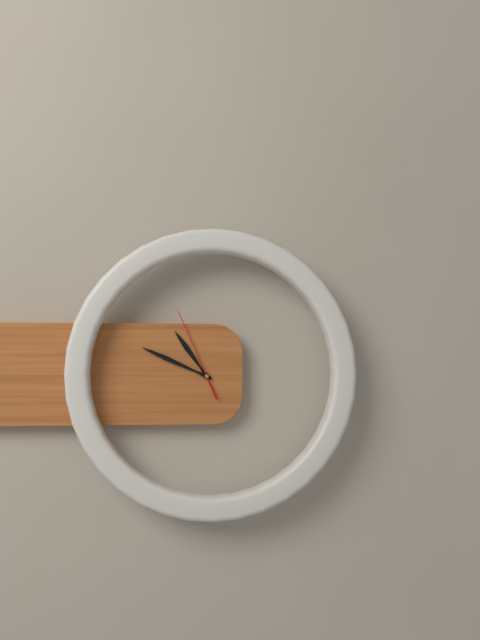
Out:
h=10 m=49 s=56
